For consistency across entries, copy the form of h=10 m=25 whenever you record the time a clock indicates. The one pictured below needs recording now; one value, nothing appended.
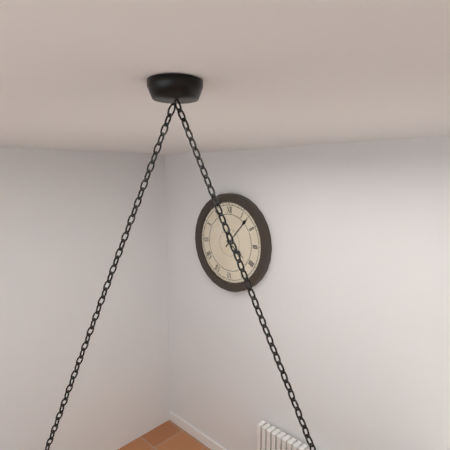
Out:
h=4 m=7
